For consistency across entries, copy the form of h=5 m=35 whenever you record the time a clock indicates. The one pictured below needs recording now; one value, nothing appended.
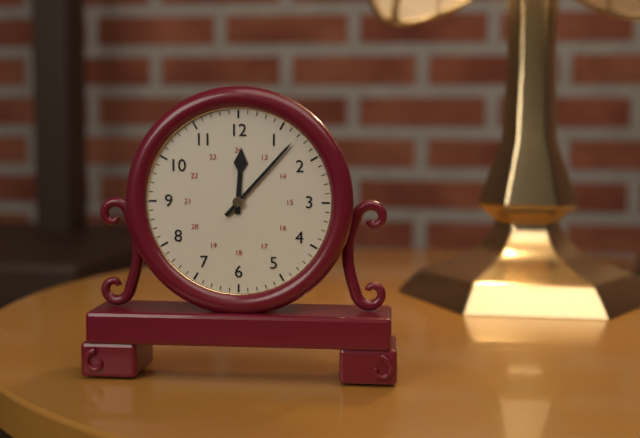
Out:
h=12 m=7
